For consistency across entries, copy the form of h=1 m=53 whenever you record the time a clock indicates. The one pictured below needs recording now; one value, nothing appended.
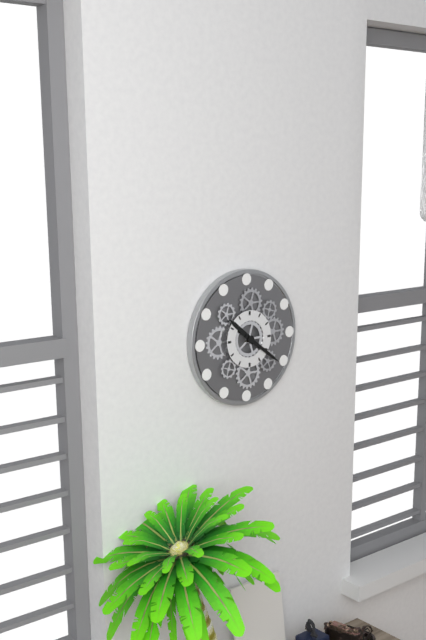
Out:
h=10 m=21
